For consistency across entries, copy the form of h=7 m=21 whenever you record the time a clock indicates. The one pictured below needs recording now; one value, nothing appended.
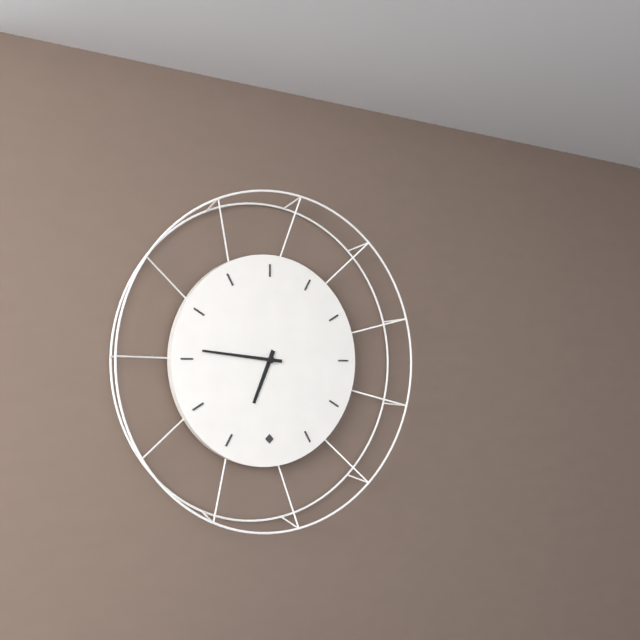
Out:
h=6 m=46
